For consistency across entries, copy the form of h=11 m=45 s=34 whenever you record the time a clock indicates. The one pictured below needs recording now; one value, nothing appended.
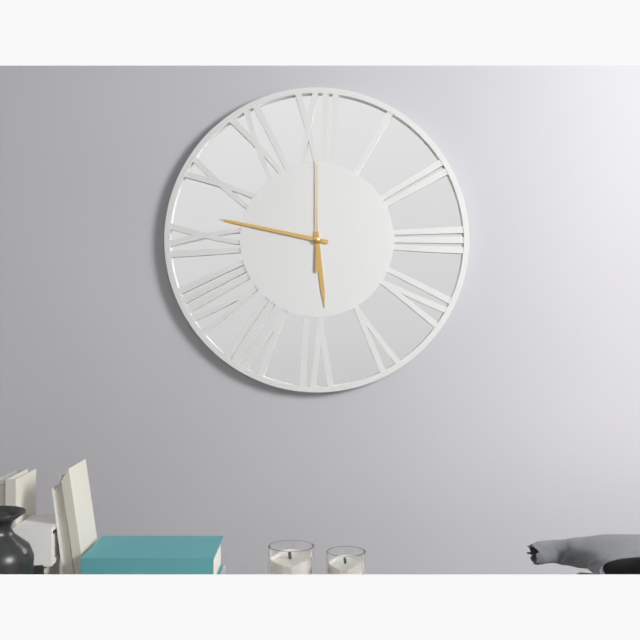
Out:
h=5 m=47 s=0
